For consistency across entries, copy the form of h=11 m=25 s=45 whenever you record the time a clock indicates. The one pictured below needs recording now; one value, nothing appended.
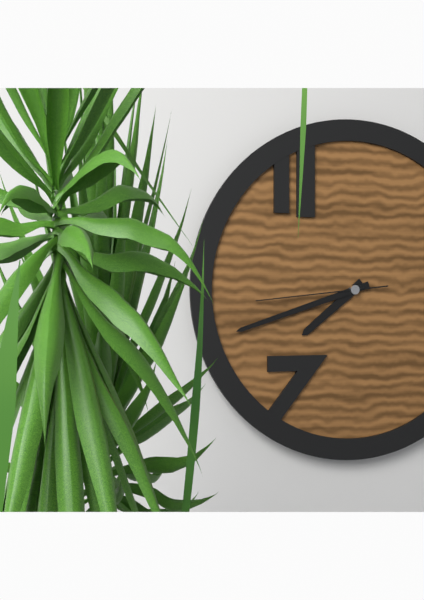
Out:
h=7 m=42 s=44
